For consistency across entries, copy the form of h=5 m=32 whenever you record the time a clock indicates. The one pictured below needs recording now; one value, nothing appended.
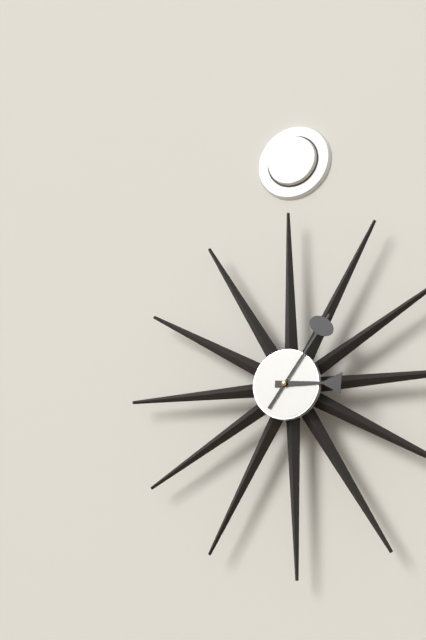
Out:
h=3 m=6
